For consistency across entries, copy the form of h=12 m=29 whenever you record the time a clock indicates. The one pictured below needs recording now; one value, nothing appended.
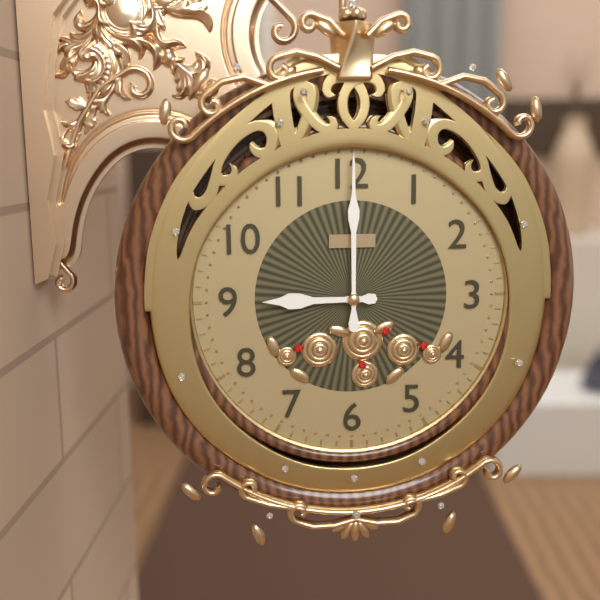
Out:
h=9 m=0
